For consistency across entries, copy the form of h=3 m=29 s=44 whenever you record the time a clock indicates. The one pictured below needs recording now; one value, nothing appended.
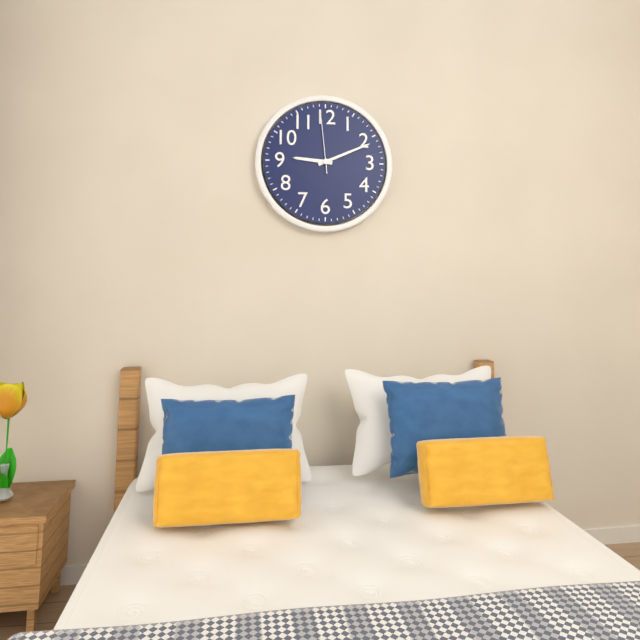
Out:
h=9 m=11 s=59
